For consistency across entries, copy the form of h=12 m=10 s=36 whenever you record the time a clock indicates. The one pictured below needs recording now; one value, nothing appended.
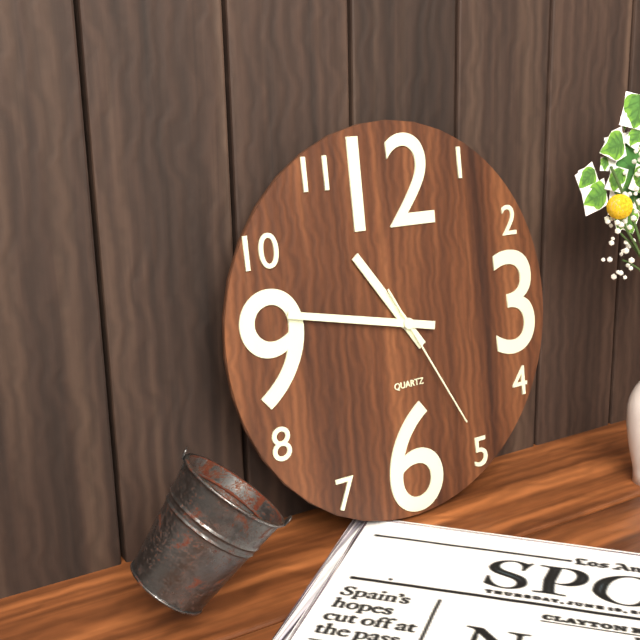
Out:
h=10 m=47 s=25
